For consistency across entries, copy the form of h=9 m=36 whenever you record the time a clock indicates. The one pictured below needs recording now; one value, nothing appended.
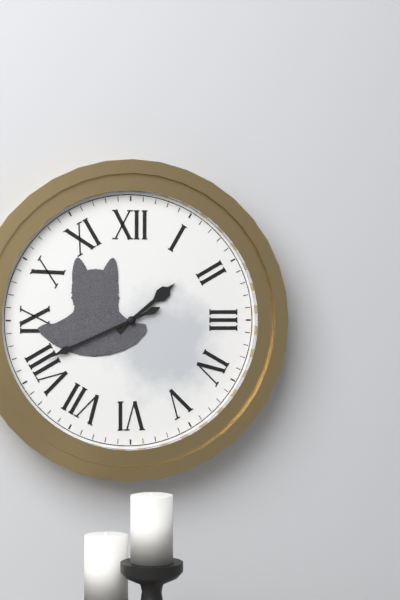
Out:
h=1 m=41
